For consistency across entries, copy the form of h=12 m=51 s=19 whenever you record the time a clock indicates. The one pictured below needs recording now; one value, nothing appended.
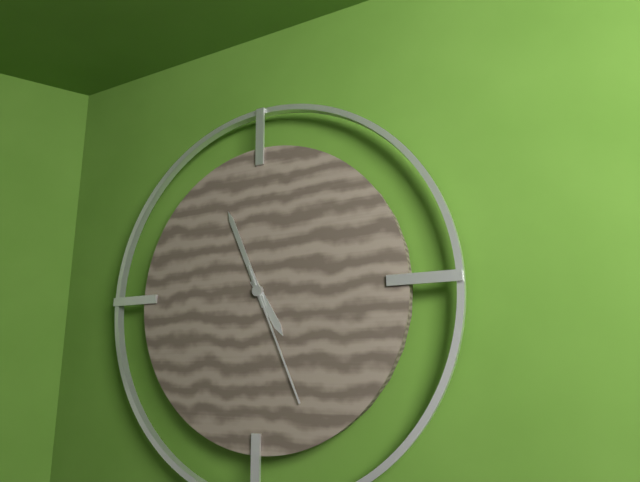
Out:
h=4 m=56 s=26
